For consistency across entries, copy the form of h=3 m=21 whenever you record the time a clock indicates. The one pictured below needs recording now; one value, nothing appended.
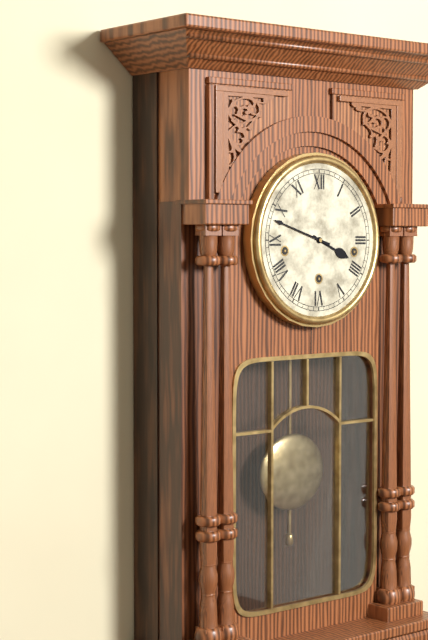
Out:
h=3 m=48
